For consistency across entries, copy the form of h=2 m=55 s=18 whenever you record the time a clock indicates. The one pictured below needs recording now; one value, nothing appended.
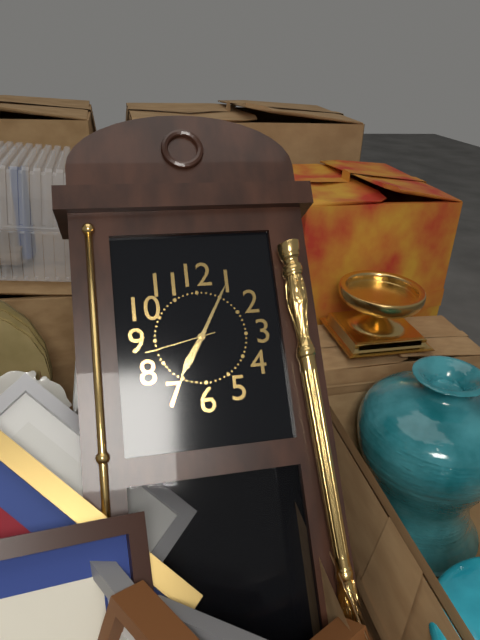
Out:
h=7 m=5 s=43
